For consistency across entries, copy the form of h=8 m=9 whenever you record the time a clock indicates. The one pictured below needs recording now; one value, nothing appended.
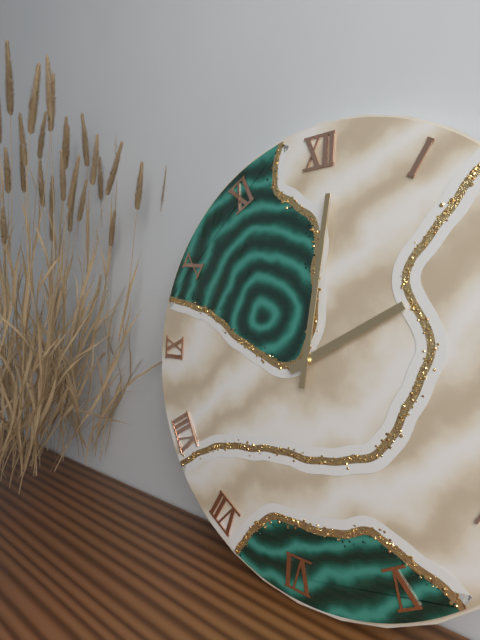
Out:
h=2 m=1
